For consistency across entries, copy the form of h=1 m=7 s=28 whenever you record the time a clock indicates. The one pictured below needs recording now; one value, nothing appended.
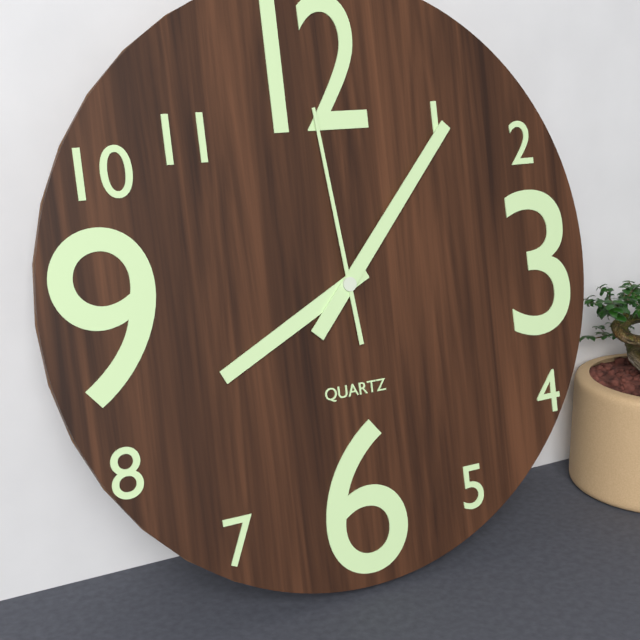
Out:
h=8 m=7 s=59
